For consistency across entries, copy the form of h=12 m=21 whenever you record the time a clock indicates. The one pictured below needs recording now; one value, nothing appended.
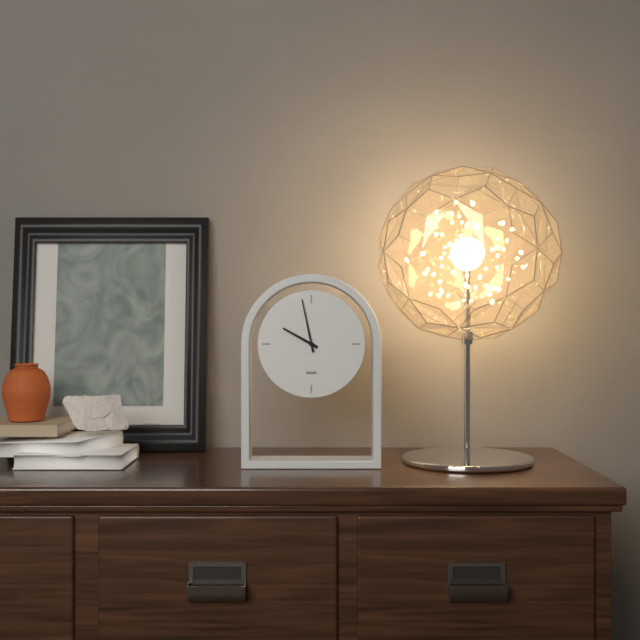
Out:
h=9 m=58
